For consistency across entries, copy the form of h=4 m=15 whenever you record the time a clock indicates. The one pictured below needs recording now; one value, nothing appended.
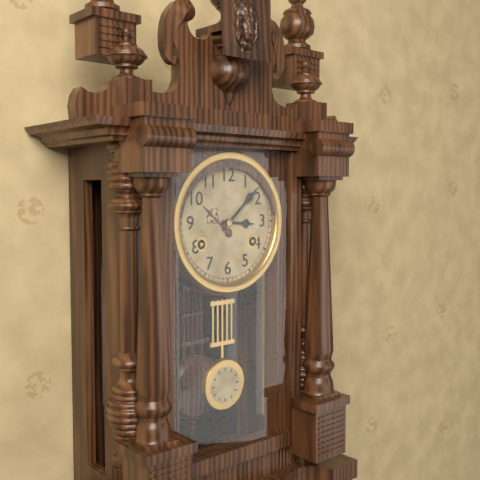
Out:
h=3 m=8
